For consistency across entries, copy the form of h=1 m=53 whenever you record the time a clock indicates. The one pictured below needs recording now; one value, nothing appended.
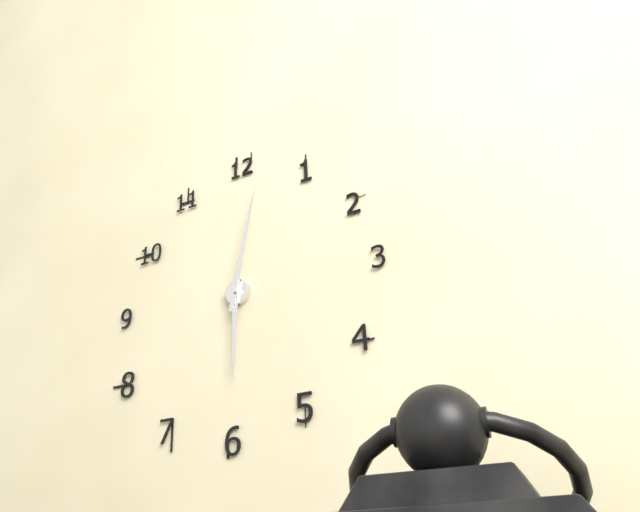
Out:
h=6 m=2
